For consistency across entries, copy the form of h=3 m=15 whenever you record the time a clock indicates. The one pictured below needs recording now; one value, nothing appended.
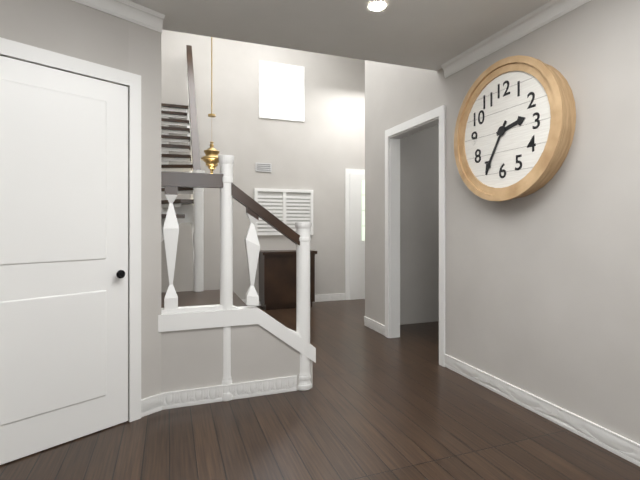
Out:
h=2 m=35
